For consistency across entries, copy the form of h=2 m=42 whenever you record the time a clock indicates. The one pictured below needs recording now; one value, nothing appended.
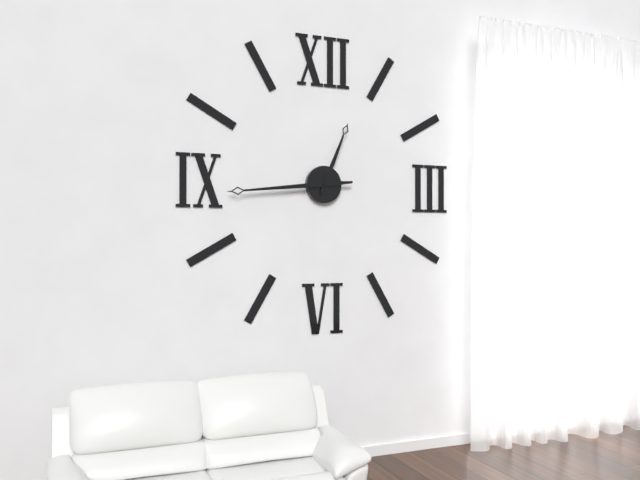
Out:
h=12 m=44
